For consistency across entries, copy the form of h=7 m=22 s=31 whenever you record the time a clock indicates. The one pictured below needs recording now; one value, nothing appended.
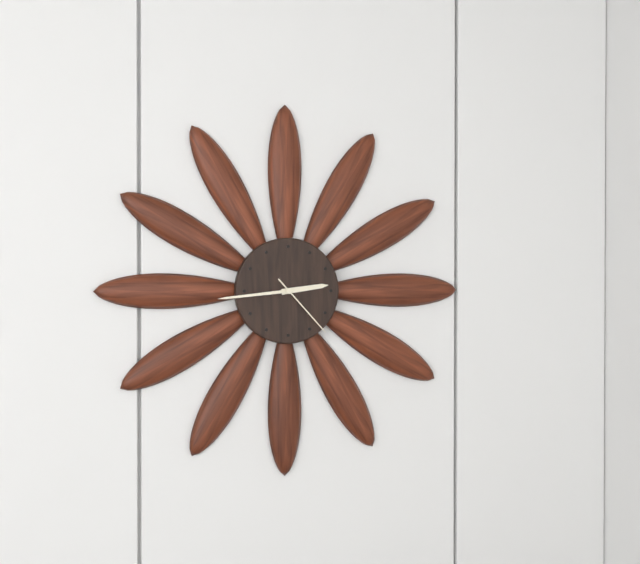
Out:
h=2 m=44 s=23
